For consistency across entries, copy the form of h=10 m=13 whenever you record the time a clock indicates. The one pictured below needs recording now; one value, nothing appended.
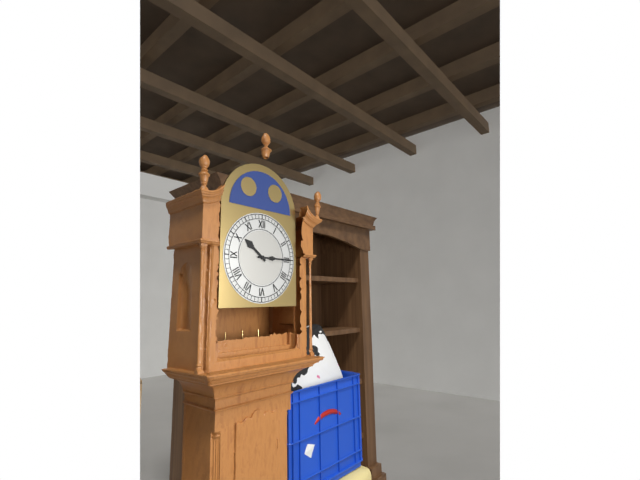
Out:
h=10 m=15
